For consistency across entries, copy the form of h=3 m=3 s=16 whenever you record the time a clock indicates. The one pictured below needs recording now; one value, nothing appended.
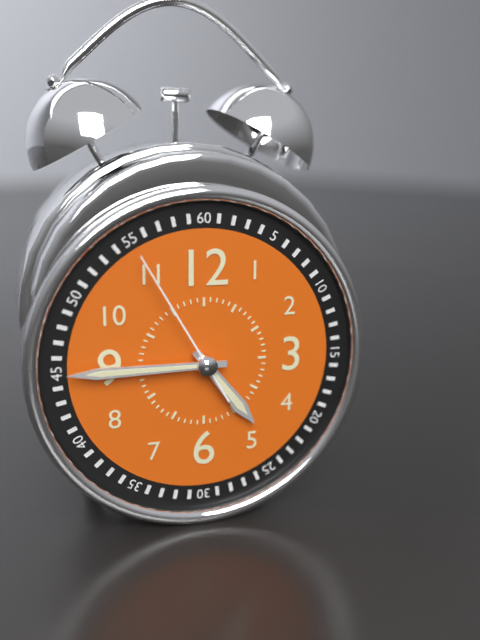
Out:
h=4 m=45 s=55
